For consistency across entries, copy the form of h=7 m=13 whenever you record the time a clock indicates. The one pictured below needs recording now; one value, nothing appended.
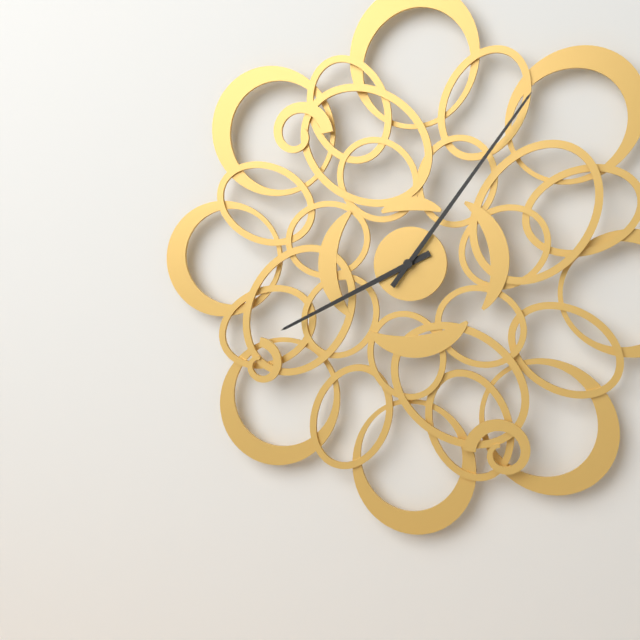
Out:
h=8 m=6
